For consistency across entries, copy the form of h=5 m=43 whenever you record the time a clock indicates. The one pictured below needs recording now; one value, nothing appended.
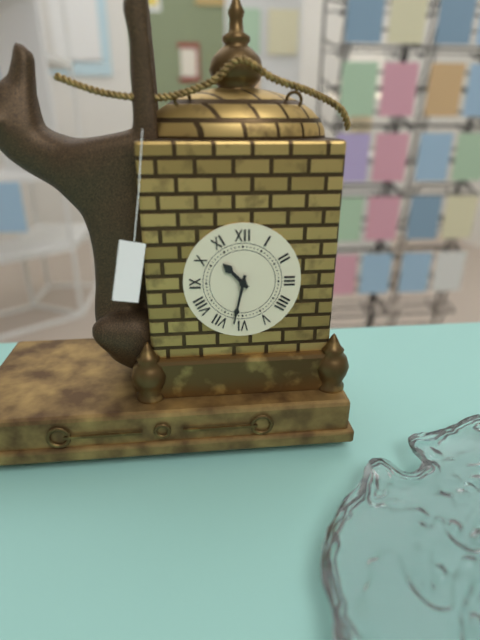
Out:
h=10 m=32
